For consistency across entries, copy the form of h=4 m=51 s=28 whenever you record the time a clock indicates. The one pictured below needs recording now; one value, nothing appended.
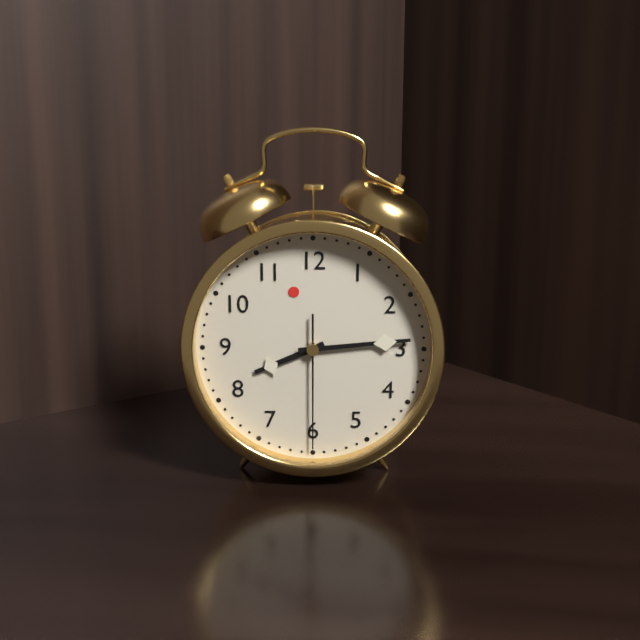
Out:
h=8 m=14 s=30
